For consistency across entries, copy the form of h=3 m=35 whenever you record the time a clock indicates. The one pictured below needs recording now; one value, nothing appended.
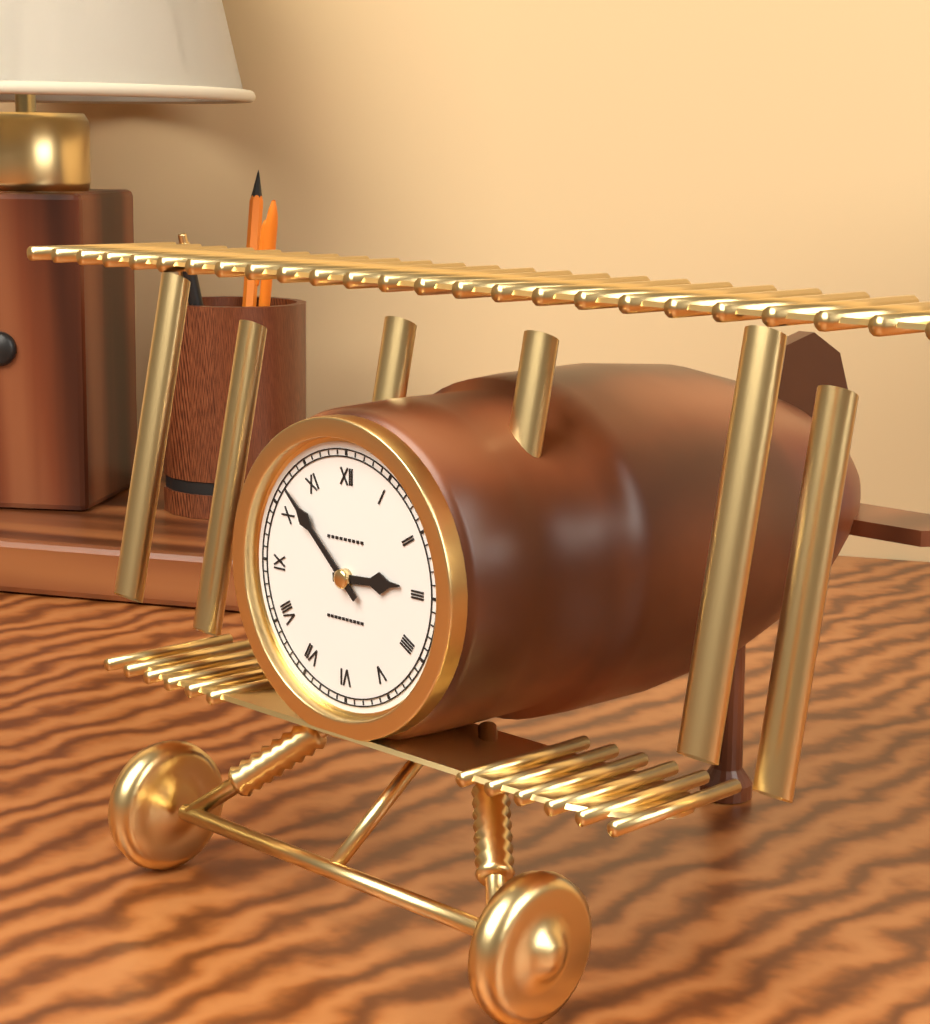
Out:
h=2 m=52
